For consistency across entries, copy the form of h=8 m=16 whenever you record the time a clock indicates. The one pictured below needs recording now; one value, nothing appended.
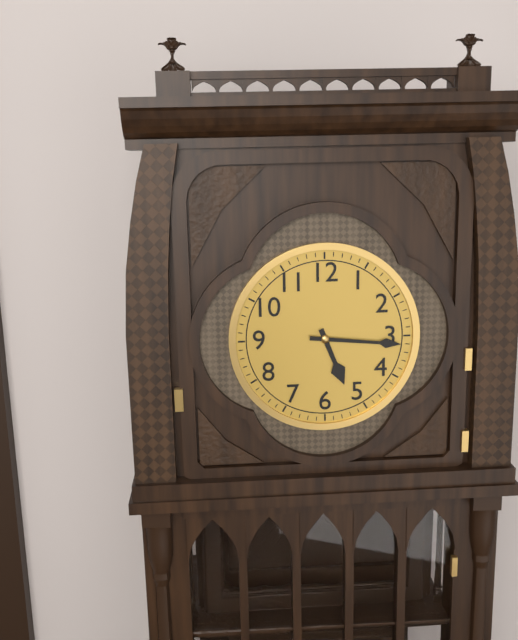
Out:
h=5 m=16
